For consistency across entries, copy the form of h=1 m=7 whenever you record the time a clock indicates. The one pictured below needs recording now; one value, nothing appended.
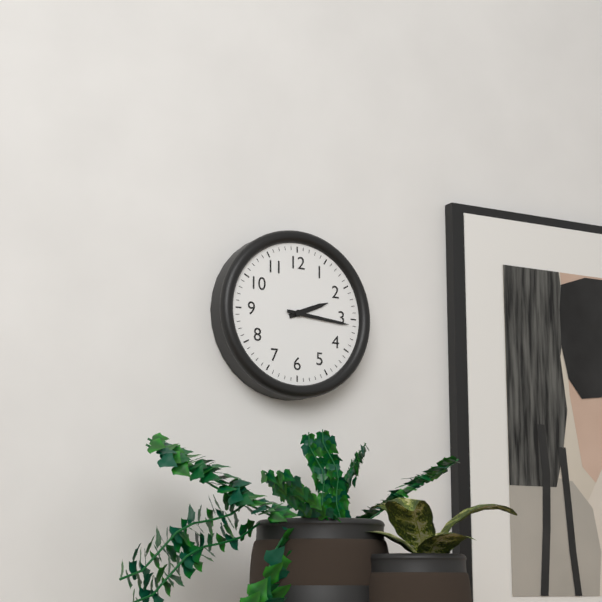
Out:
h=2 m=16
